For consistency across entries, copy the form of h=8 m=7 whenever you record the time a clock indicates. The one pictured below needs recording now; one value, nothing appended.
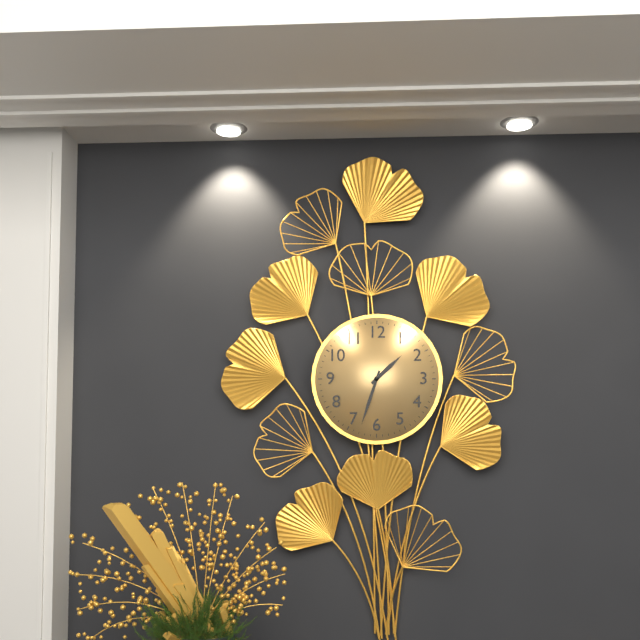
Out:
h=1 m=33
